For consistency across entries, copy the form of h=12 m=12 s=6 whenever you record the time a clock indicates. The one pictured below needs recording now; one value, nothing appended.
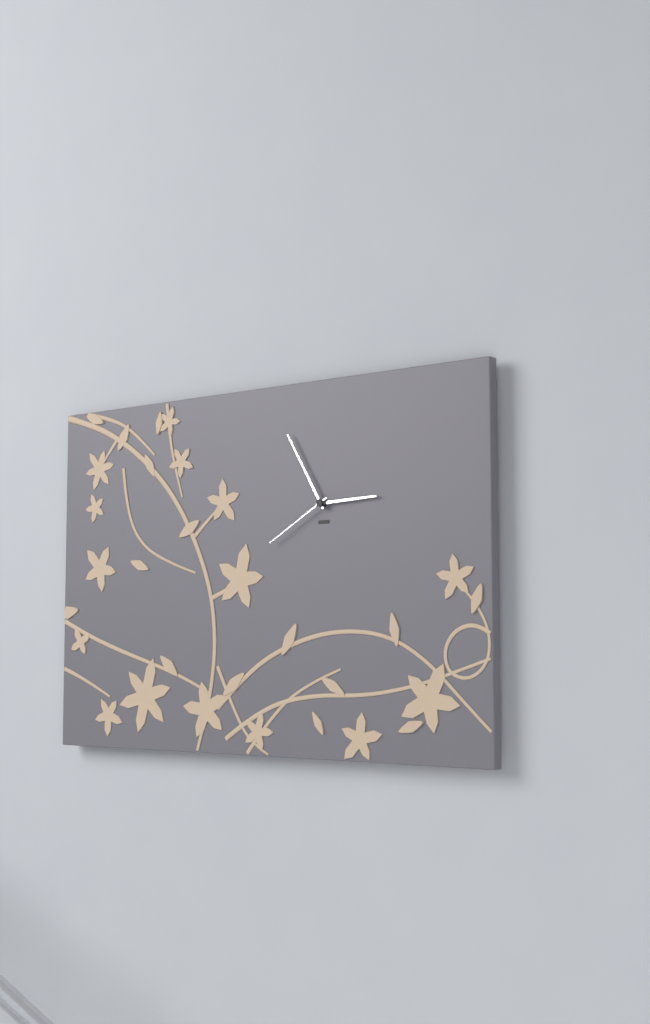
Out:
h=2 m=55 s=40
